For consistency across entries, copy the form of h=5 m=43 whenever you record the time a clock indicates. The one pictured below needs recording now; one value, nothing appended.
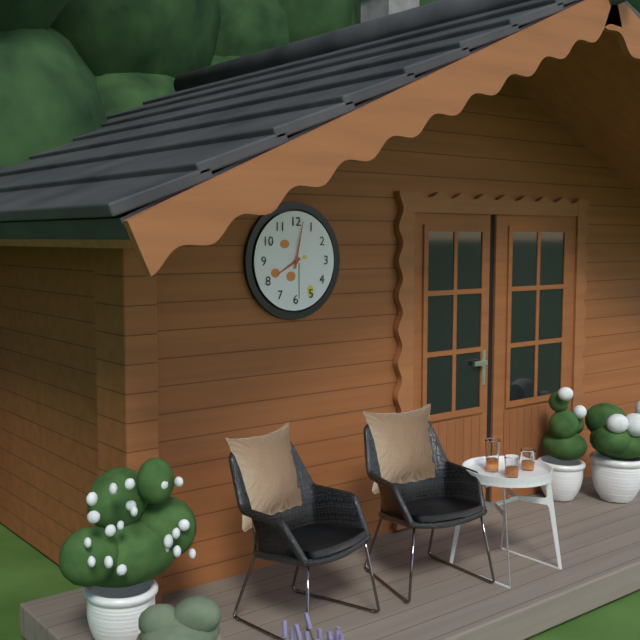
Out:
h=8 m=2
